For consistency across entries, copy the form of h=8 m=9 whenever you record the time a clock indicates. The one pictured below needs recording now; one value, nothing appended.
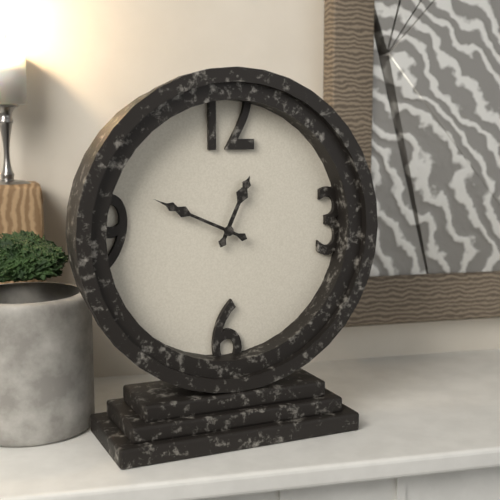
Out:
h=12 m=49
